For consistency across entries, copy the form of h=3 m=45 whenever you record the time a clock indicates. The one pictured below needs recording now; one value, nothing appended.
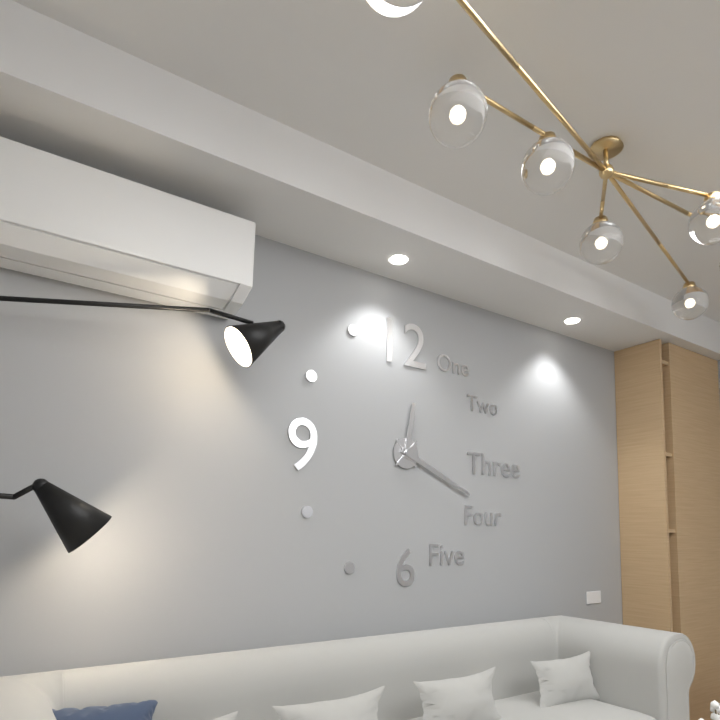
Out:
h=12 m=19
